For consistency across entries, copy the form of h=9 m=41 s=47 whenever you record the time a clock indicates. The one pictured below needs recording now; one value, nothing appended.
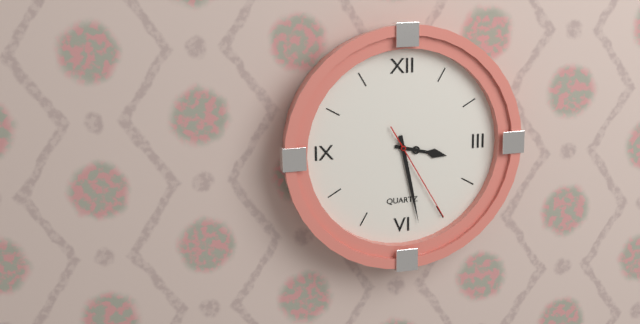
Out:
h=3 m=28 s=25
